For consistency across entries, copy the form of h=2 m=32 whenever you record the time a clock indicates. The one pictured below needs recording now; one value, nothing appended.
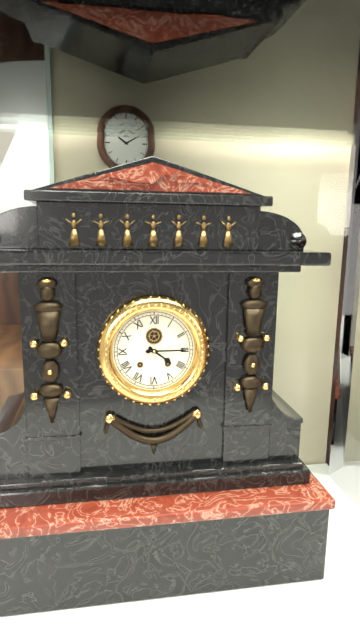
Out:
h=4 m=15
